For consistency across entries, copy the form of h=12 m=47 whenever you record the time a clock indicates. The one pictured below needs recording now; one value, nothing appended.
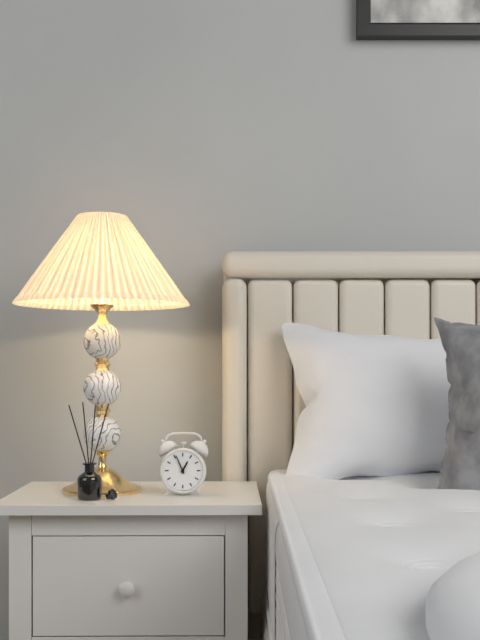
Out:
h=12 m=56
